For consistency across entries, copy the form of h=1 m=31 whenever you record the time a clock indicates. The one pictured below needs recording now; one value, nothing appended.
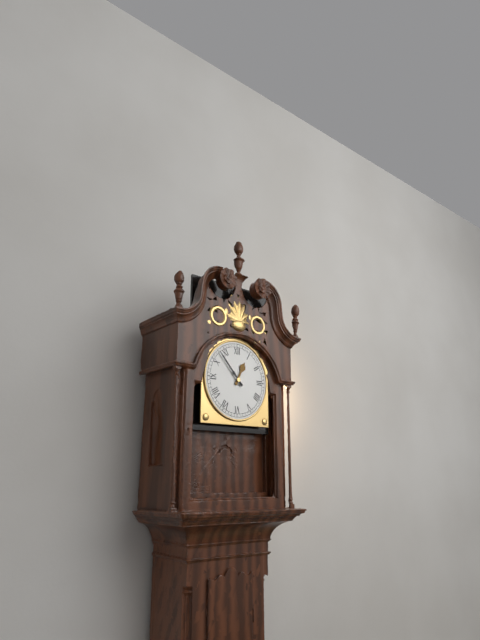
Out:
h=12 m=53
